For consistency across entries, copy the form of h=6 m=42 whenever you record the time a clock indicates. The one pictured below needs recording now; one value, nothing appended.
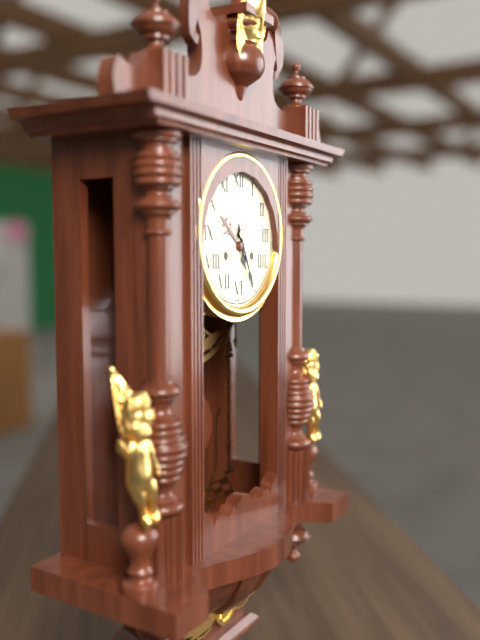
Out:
h=5 m=26
